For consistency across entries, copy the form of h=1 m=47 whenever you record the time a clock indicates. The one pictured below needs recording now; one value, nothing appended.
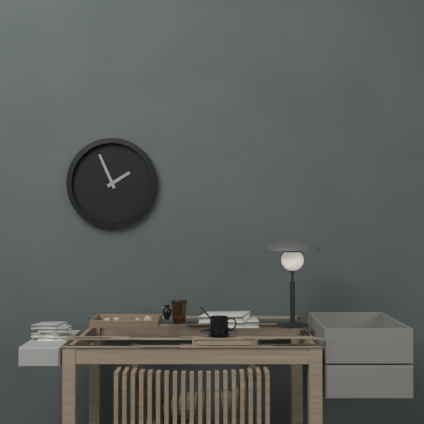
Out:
h=1 m=56
